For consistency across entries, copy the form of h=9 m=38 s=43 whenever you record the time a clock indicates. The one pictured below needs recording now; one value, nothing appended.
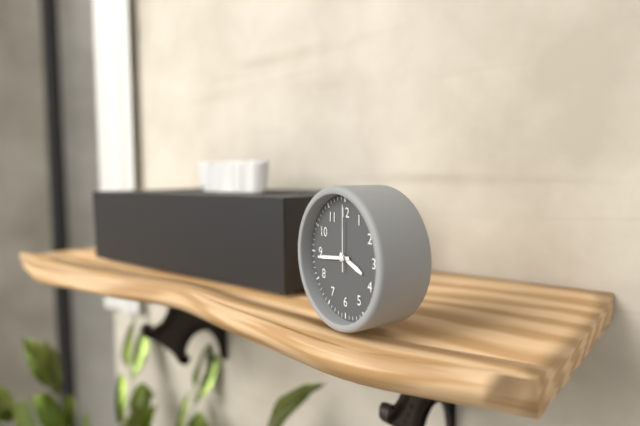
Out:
h=3 m=44 s=0
